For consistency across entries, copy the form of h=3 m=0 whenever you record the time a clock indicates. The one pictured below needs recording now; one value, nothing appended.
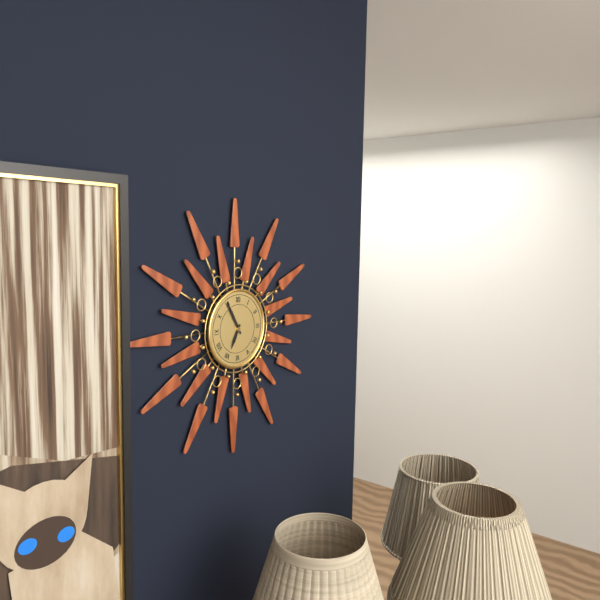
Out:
h=6 m=55
